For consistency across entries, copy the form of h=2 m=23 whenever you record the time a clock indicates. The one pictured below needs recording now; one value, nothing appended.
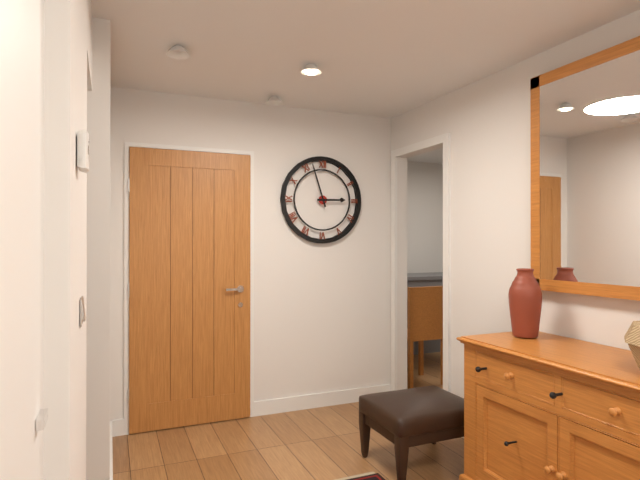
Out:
h=2 m=57
